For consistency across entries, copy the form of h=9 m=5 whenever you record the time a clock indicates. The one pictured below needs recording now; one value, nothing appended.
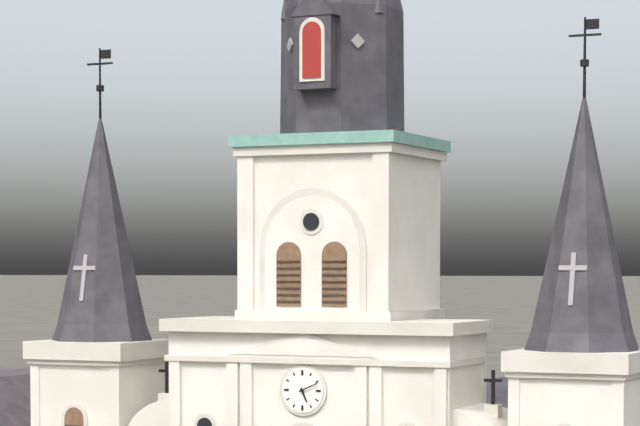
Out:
h=5 m=11
